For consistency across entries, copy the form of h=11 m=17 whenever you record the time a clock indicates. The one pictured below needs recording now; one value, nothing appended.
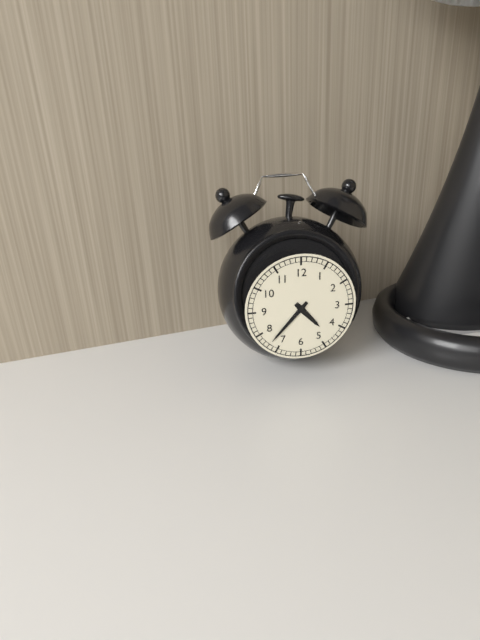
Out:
h=4 m=37
